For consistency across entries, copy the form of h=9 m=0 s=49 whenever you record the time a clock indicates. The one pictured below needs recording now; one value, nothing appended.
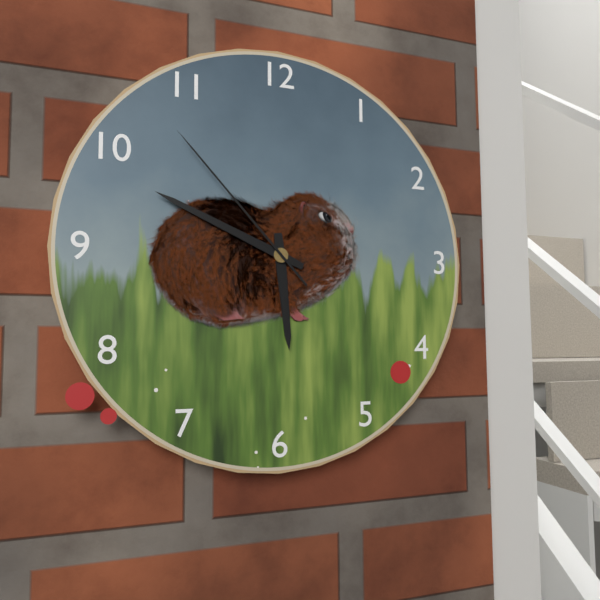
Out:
h=5 m=49 s=53
